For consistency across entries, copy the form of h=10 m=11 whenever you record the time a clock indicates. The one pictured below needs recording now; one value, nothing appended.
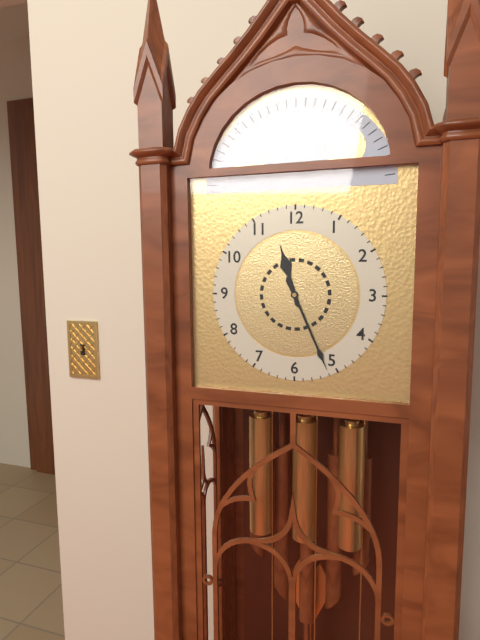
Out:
h=11 m=26
